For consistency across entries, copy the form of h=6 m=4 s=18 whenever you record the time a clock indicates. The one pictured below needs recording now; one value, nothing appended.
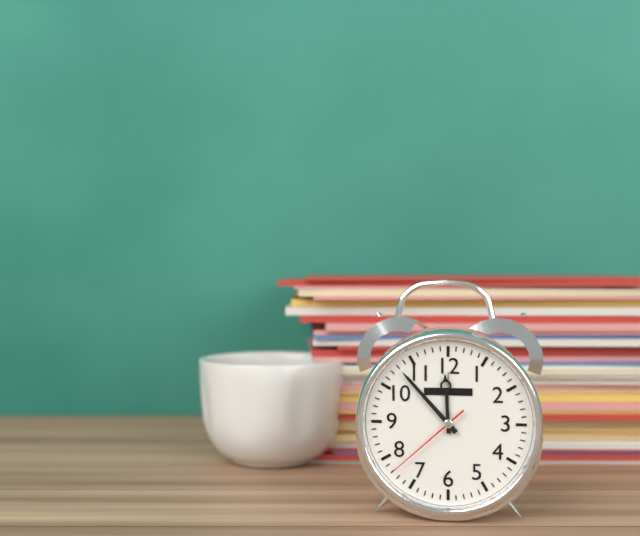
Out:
h=11 m=53 s=38
